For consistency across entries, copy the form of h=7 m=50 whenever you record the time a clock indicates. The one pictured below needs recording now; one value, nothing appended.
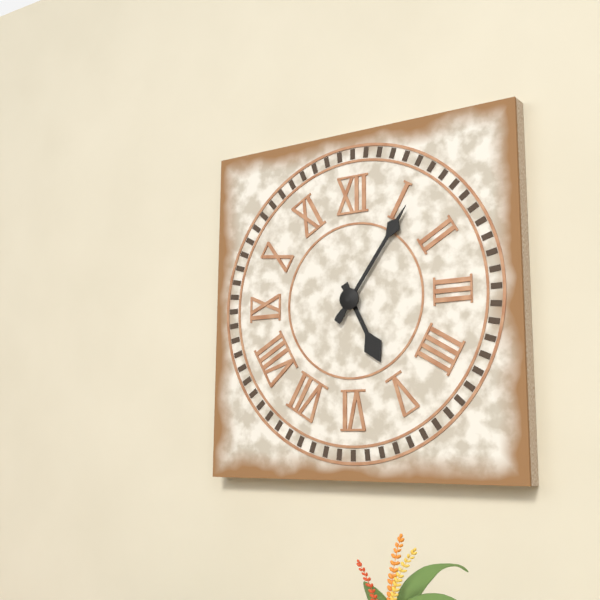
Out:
h=5 m=6
